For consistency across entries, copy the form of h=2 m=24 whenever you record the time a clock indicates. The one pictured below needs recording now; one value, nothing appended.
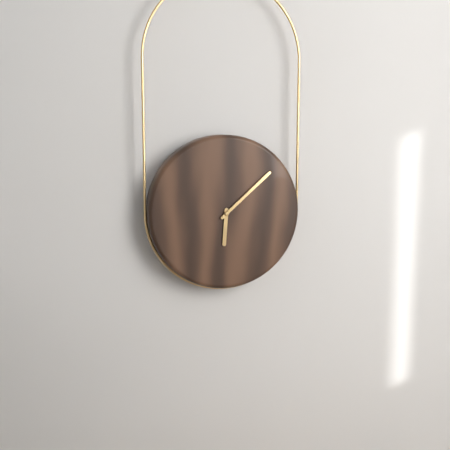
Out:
h=6 m=8
